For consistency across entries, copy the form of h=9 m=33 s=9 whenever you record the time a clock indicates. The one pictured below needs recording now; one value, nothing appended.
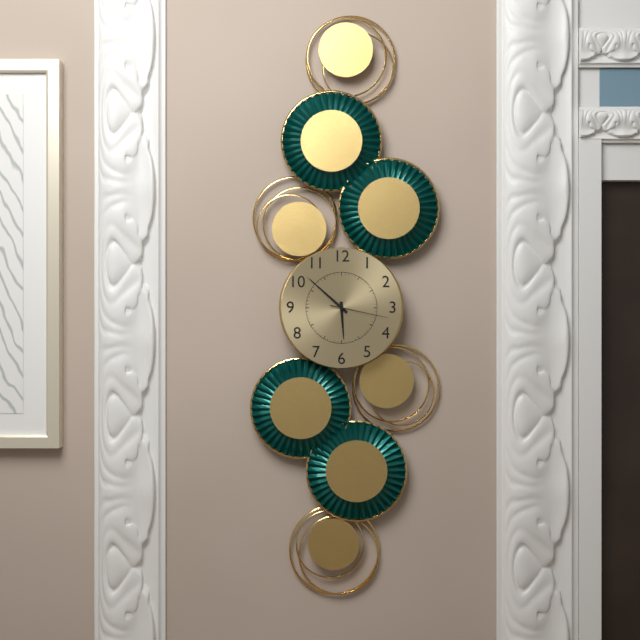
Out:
h=5 m=52 s=17
